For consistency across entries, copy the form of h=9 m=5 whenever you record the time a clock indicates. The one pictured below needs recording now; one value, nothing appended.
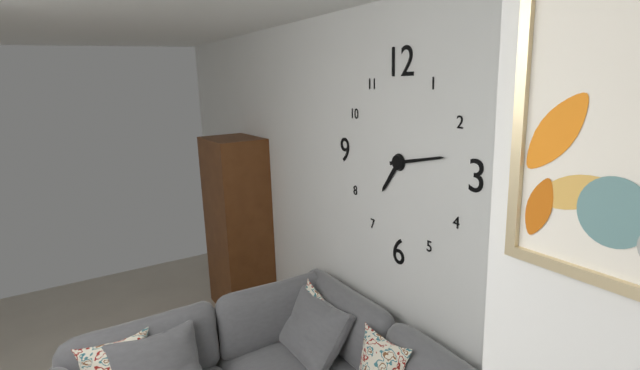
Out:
h=7 m=13
